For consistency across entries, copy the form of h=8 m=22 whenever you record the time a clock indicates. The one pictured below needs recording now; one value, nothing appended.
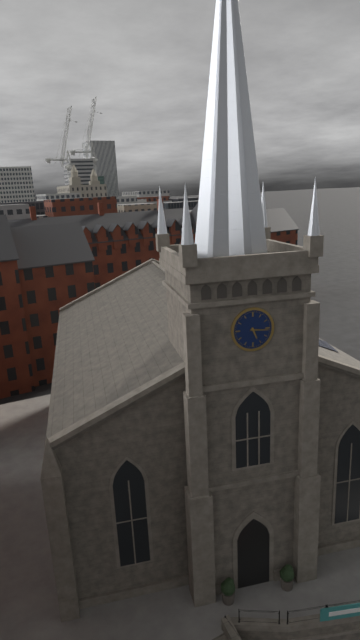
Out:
h=5 m=16
